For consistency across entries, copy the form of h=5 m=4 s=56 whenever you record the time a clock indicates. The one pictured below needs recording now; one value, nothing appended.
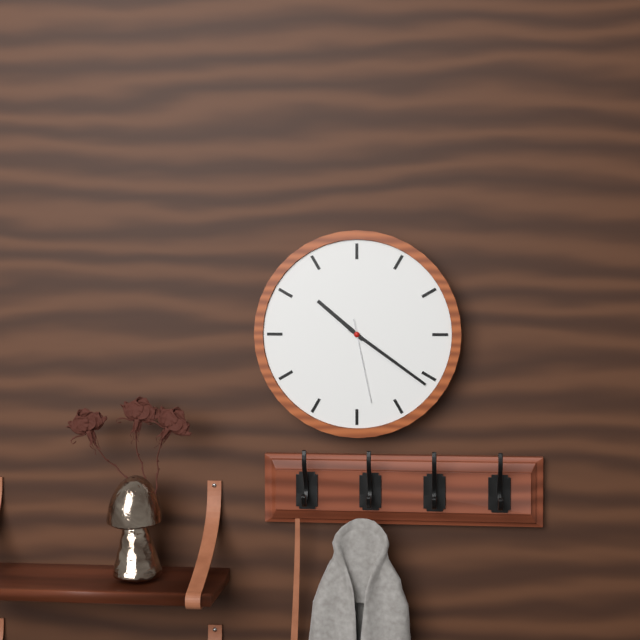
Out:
h=10 m=21 s=28
